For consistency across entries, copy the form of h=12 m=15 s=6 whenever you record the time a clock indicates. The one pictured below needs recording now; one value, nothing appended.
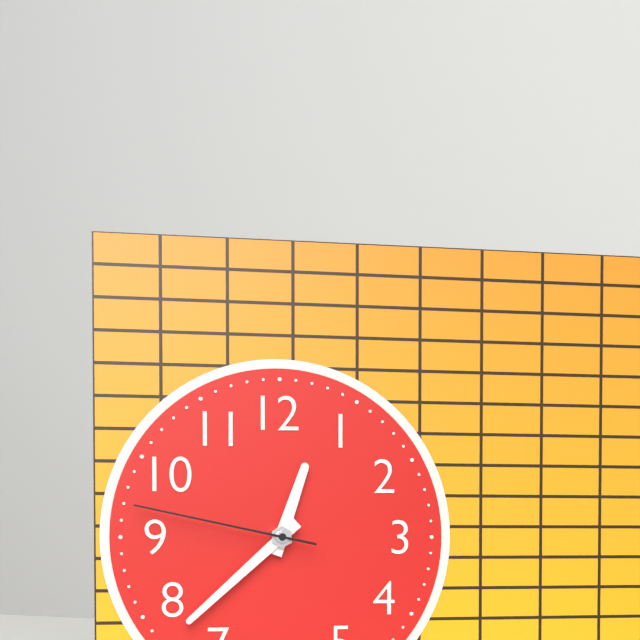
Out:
h=12 m=38 s=47
